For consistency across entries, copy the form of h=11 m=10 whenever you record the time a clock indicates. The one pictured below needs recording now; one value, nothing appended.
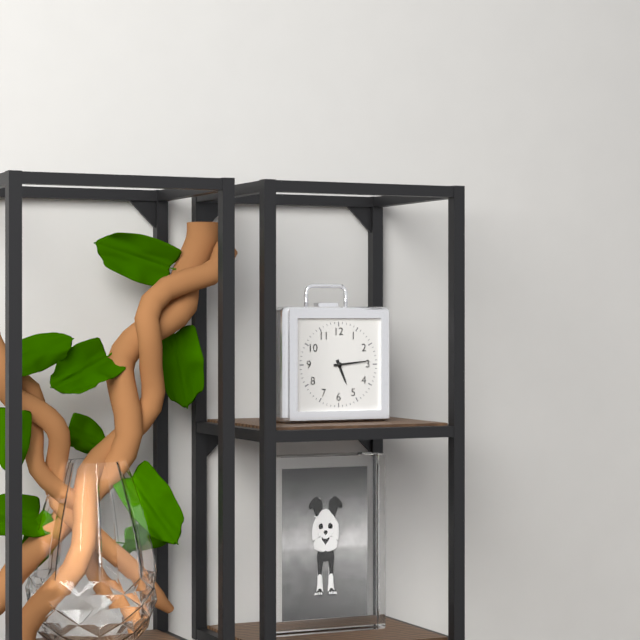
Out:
h=5 m=14
